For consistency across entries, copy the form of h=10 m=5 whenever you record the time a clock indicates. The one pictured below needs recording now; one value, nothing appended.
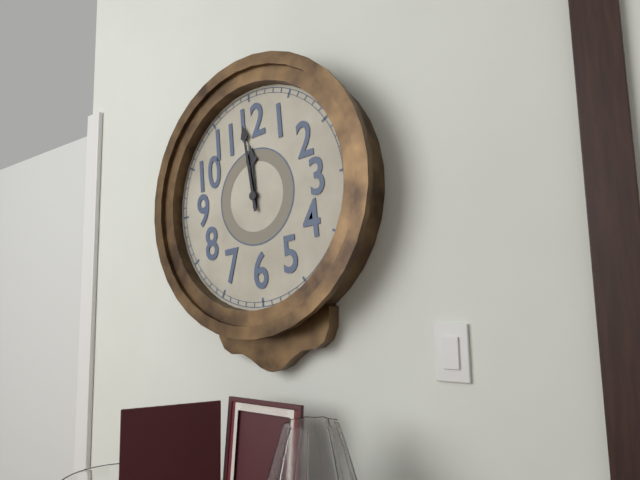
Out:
h=11 m=59
